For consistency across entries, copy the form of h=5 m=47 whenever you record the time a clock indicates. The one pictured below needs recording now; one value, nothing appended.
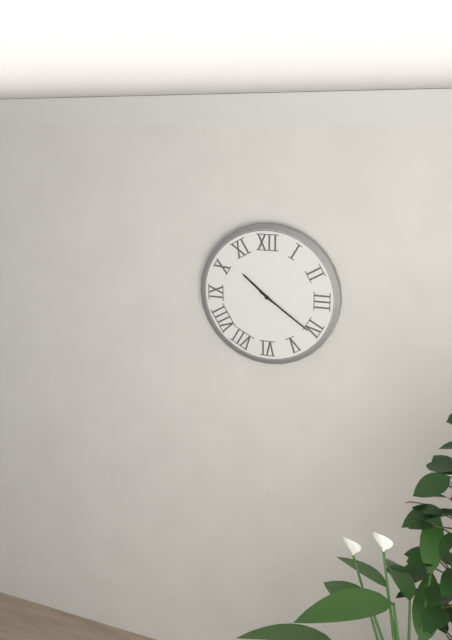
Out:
h=10 m=21
